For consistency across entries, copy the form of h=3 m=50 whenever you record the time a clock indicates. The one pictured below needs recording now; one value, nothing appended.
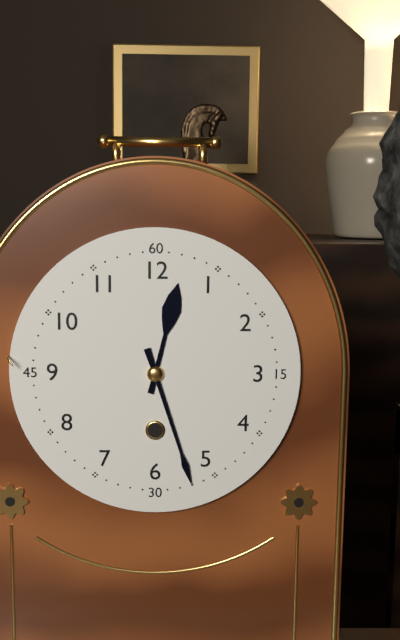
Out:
h=12 m=27
